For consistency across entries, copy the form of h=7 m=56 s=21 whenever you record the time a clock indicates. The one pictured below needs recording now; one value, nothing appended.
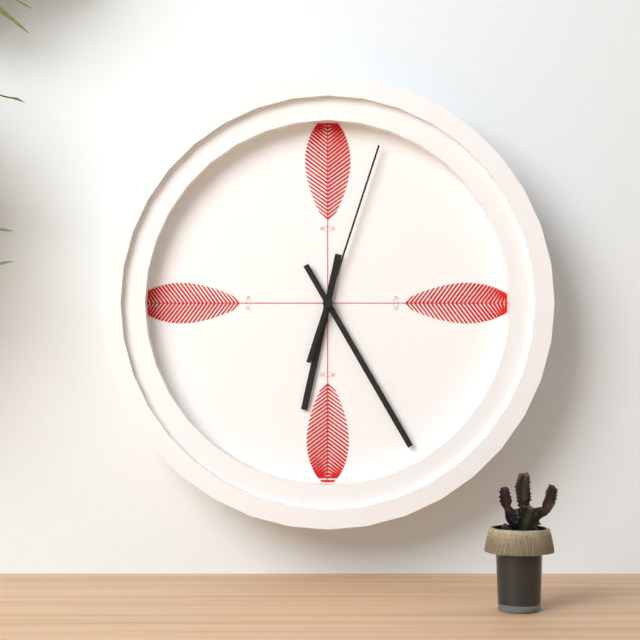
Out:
h=6 m=25 s=3
